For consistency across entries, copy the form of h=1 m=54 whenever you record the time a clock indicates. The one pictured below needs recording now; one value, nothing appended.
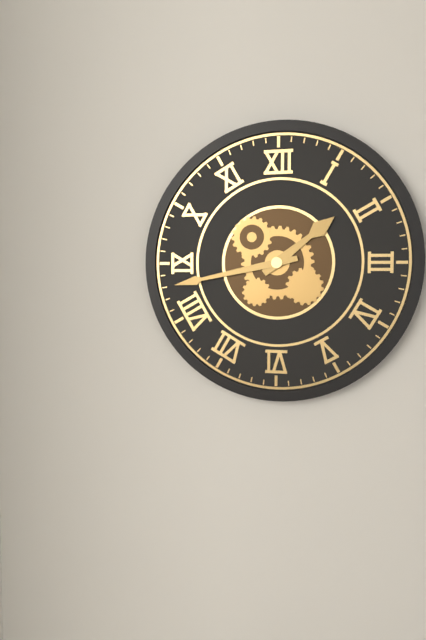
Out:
h=1 m=43
